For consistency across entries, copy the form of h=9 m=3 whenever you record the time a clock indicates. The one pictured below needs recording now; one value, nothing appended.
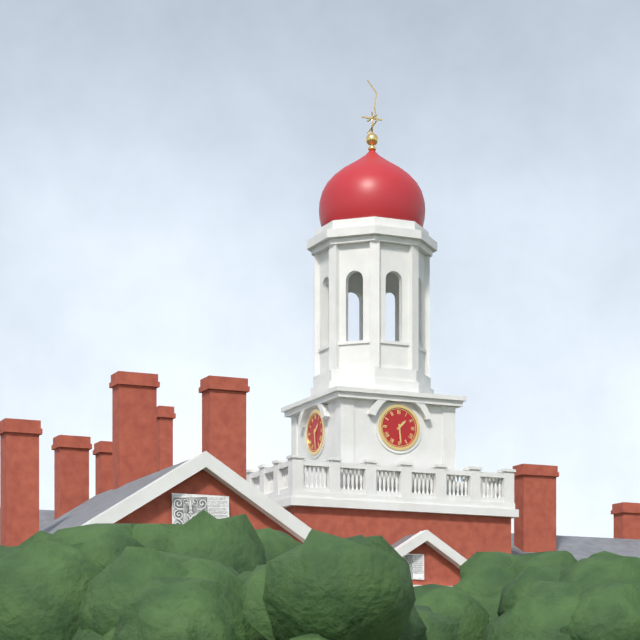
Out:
h=1 m=29
